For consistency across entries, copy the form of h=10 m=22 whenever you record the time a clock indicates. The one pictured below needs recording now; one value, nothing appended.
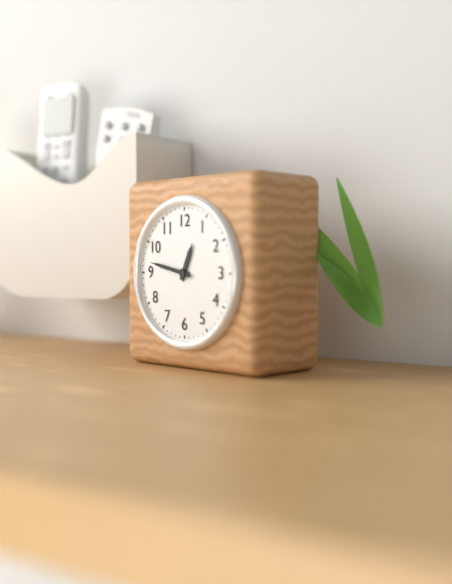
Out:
h=12 m=47
